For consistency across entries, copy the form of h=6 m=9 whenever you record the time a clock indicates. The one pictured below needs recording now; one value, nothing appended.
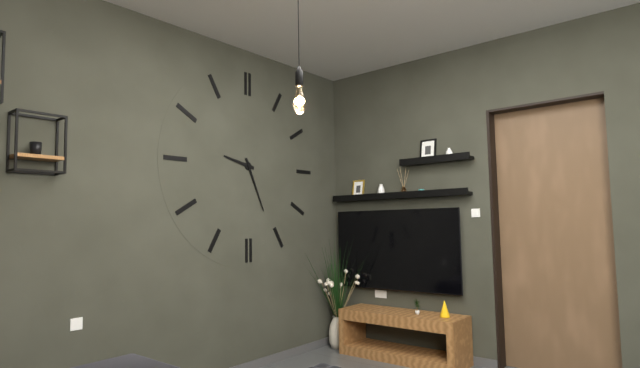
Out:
h=9 m=26
